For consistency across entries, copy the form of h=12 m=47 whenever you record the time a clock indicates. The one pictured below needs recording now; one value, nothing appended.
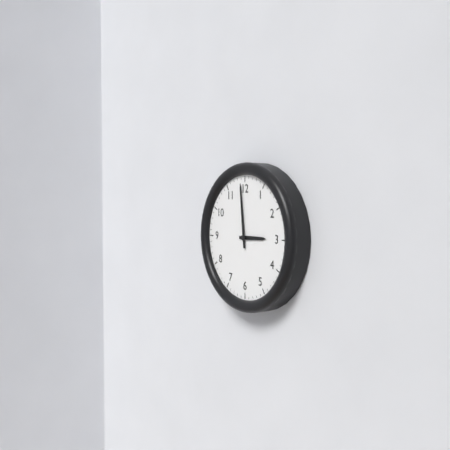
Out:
h=2 m=59
